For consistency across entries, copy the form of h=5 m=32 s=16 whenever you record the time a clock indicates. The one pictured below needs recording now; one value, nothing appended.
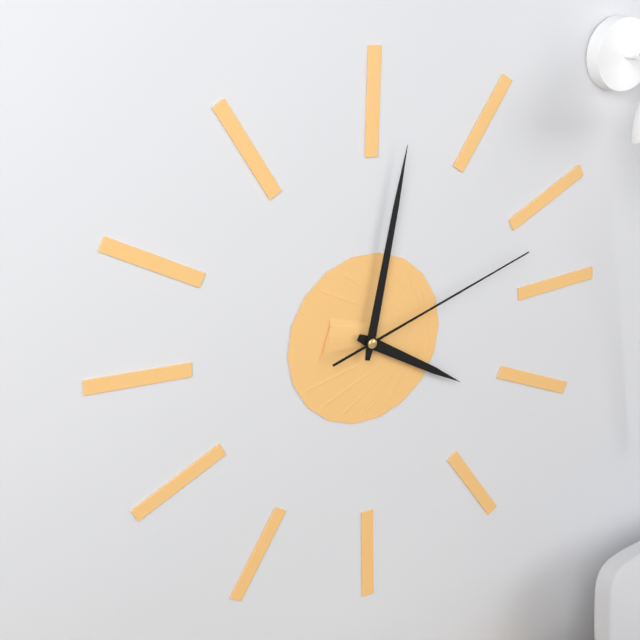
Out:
h=4 m=2 s=12
